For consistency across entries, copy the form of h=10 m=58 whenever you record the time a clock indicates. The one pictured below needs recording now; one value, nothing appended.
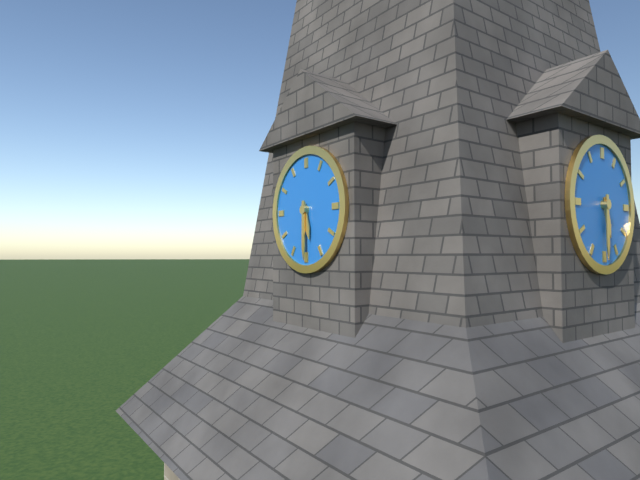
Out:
h=5 m=30
